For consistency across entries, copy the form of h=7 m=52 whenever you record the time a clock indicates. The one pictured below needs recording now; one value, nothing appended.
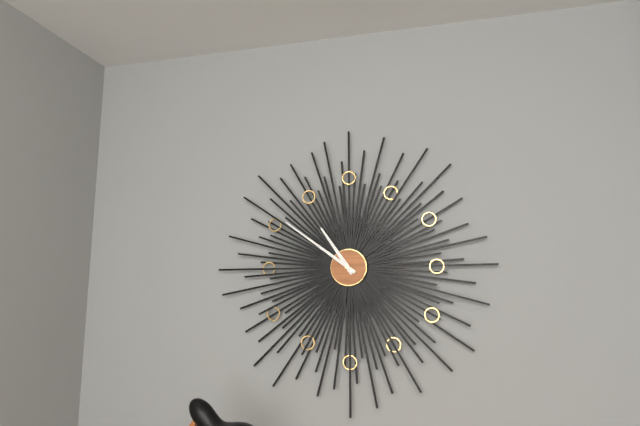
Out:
h=10 m=51
